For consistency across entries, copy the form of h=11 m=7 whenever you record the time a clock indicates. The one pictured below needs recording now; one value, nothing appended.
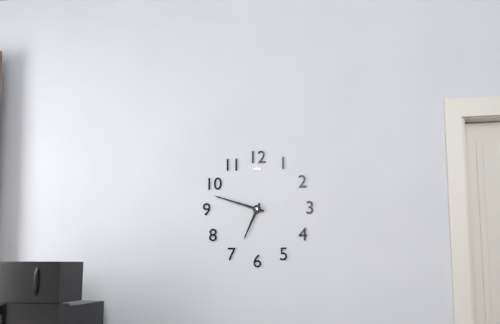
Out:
h=6 m=48
